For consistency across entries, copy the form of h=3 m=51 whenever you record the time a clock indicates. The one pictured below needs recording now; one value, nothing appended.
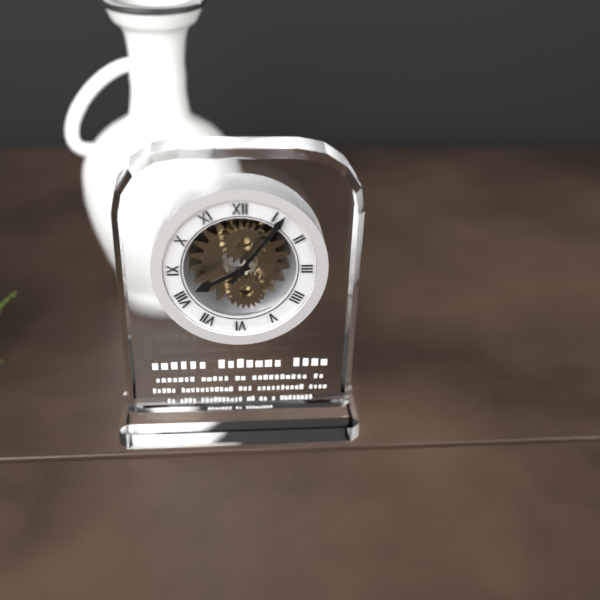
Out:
h=8 m=6
